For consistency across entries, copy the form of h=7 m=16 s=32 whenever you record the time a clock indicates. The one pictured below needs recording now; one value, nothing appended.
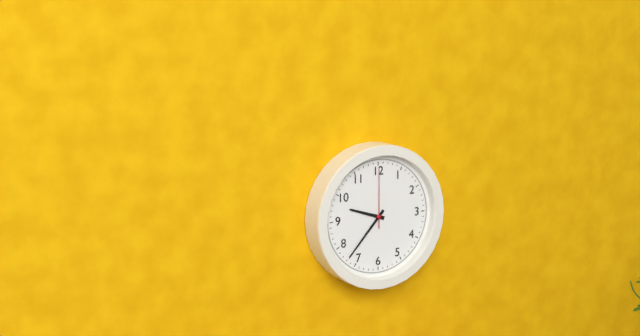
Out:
h=9 m=37 s=0
